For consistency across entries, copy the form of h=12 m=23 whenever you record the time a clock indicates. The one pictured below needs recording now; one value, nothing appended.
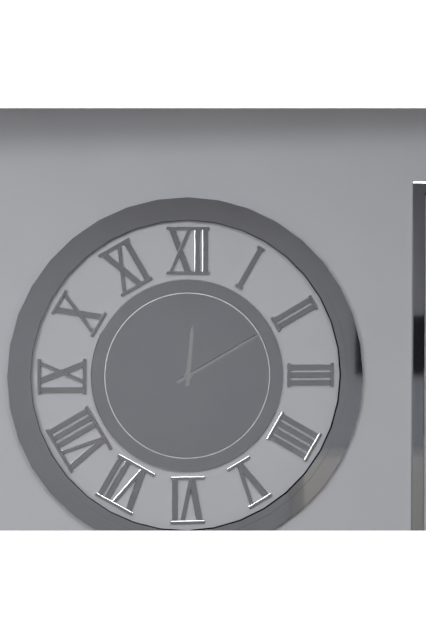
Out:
h=12 m=10
